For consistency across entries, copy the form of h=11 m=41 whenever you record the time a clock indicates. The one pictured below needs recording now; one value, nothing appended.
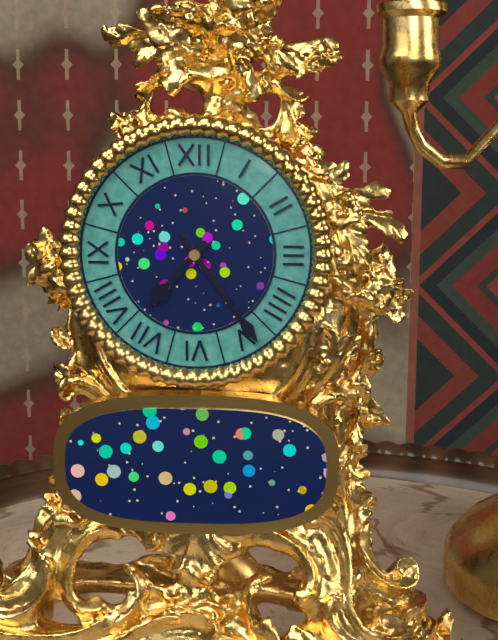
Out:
h=7 m=24
